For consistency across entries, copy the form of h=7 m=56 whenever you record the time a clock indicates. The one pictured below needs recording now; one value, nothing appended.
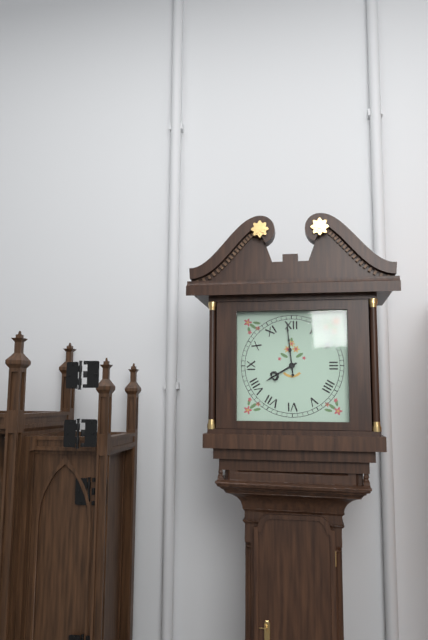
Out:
h=7 m=59
